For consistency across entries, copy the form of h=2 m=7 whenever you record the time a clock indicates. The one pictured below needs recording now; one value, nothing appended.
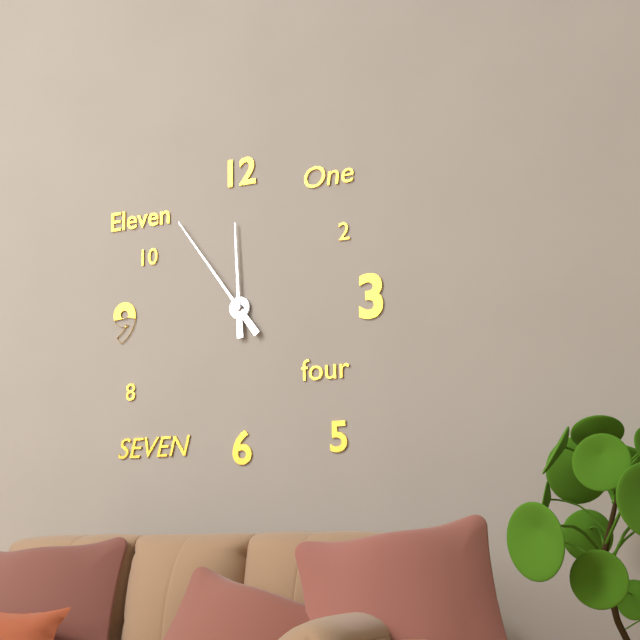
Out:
h=11 m=54
